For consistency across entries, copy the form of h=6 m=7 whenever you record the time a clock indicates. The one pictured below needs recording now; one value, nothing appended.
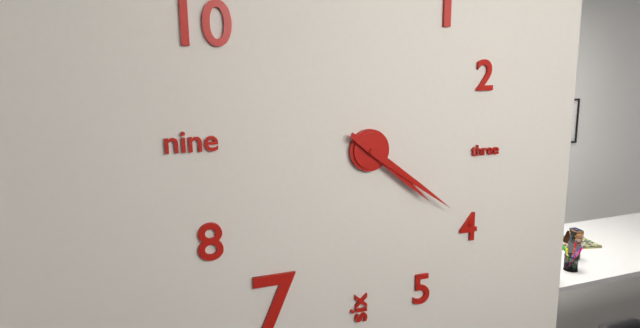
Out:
h=4 m=21
